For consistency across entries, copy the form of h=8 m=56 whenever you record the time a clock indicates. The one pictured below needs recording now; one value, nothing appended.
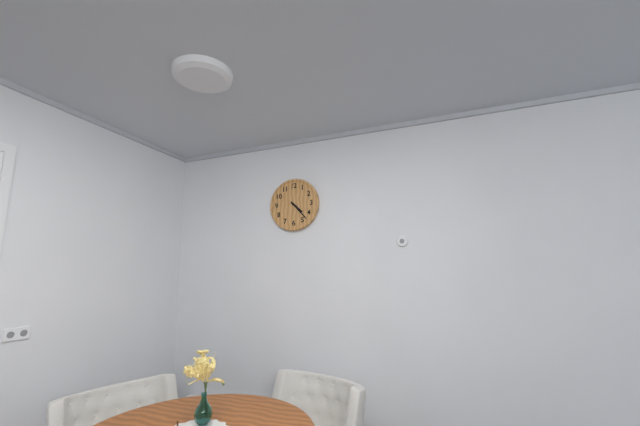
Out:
h=4 m=23
